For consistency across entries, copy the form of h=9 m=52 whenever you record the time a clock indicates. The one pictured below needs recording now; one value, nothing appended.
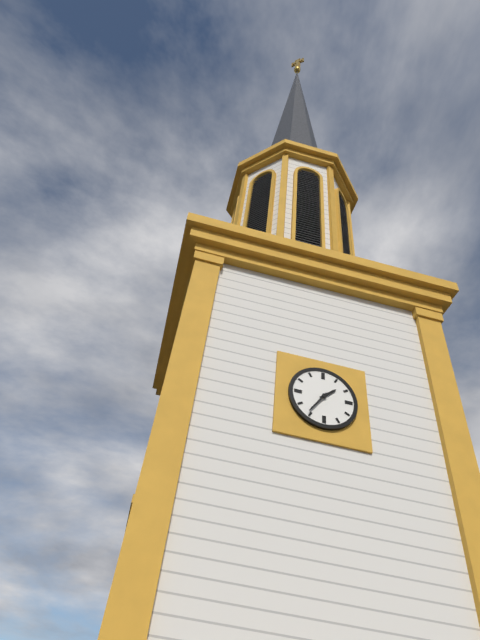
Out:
h=1 m=36
